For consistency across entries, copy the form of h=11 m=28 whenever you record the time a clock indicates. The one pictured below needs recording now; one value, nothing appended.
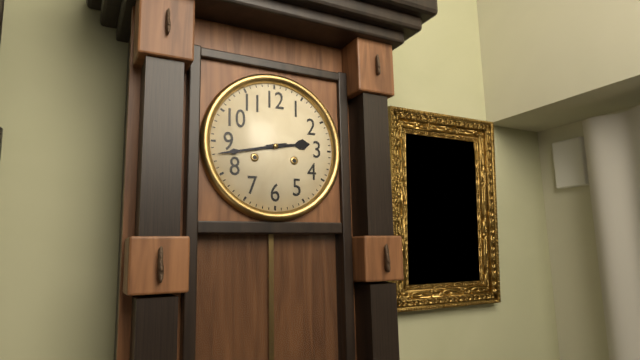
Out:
h=2 m=43
